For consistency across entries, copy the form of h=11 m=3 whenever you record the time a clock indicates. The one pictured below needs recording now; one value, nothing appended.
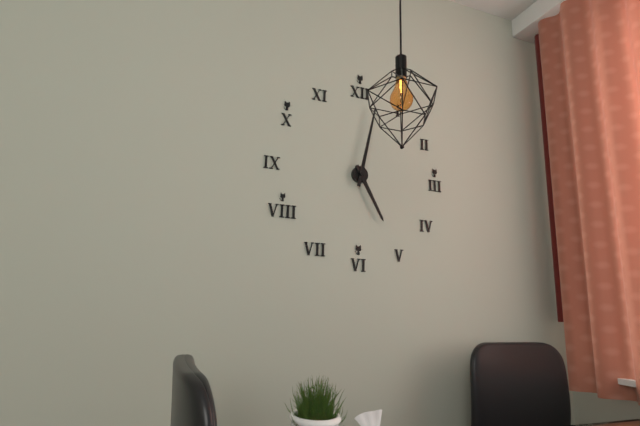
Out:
h=5 m=2
